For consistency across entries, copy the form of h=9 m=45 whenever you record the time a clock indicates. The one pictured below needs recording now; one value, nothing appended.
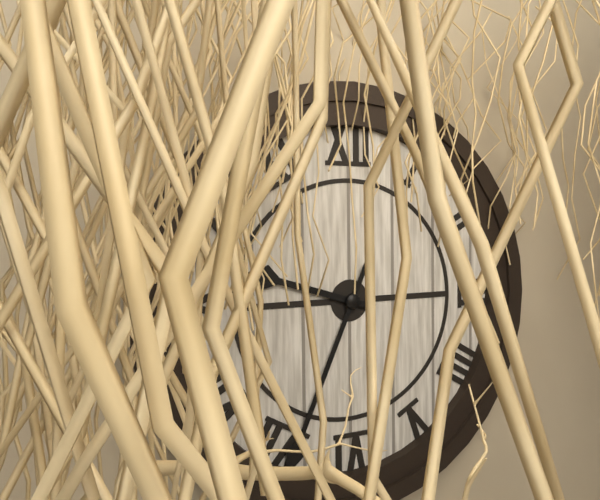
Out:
h=9 m=34
